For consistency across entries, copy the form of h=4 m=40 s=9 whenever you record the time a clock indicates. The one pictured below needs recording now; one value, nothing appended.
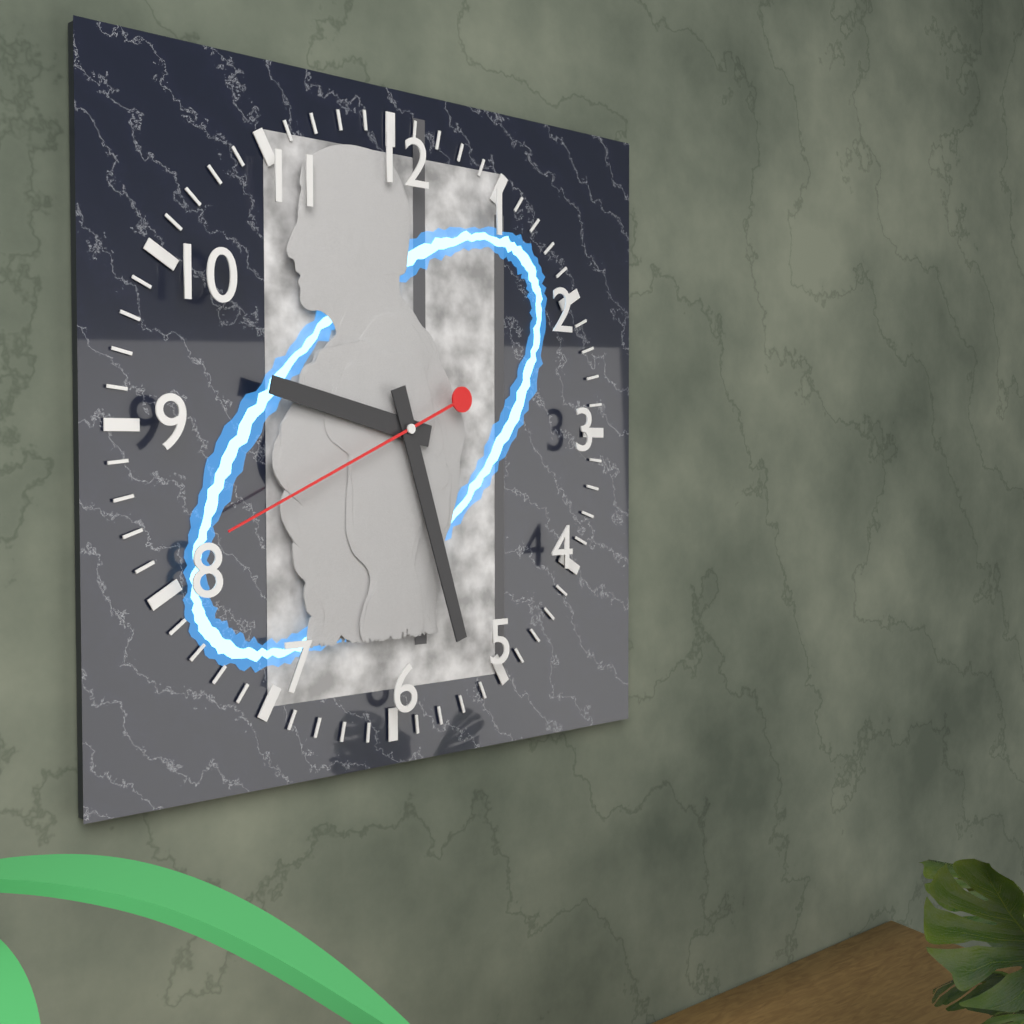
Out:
h=9 m=27 s=41
